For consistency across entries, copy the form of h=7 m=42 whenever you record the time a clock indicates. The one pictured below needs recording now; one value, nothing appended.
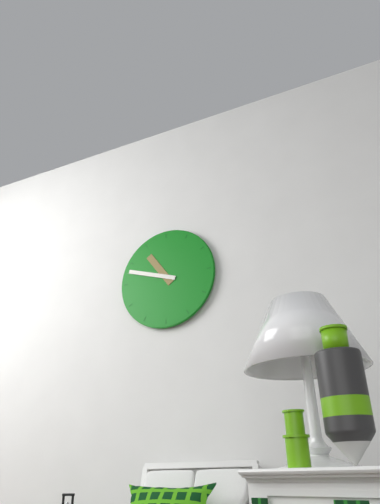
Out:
h=10 m=48
